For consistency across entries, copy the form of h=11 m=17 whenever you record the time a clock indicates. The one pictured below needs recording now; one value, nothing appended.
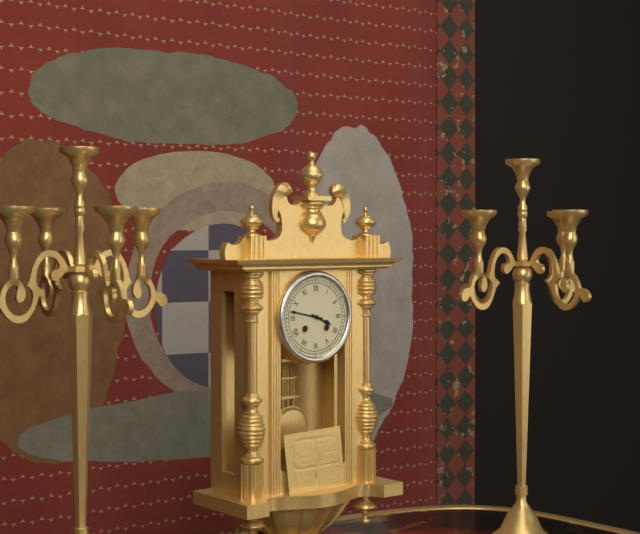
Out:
h=3 m=47
